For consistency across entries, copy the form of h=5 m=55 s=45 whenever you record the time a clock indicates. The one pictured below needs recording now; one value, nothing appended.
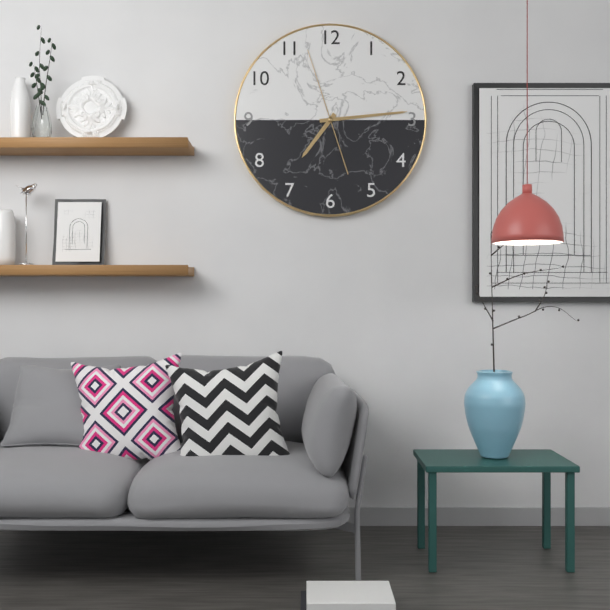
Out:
h=7 m=14 s=57
